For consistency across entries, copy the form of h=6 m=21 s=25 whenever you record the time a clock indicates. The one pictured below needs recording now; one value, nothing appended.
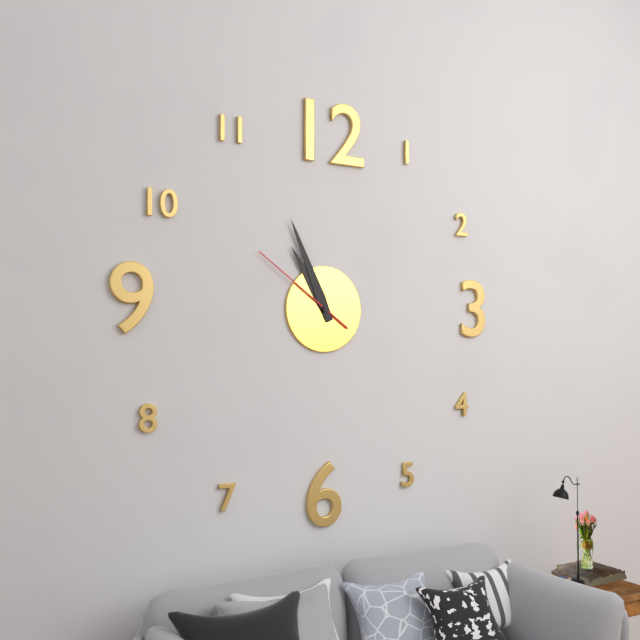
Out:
h=10 m=56 s=51
